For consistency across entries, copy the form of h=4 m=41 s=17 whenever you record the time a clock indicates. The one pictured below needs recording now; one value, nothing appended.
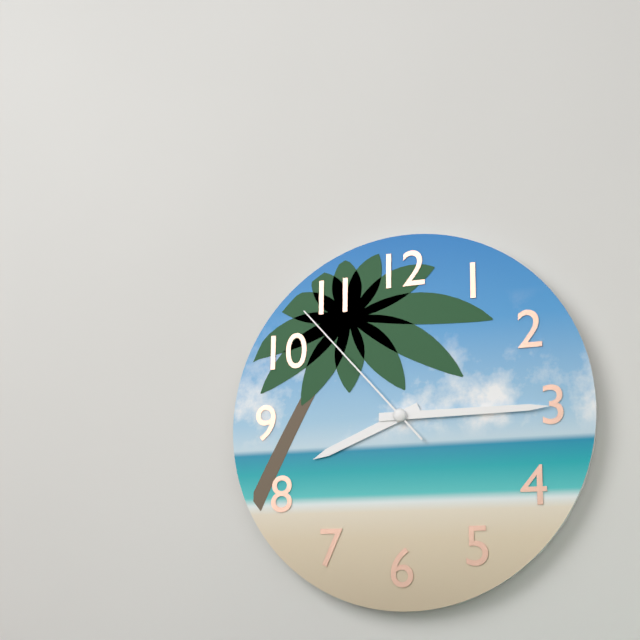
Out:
h=8 m=15 s=53
